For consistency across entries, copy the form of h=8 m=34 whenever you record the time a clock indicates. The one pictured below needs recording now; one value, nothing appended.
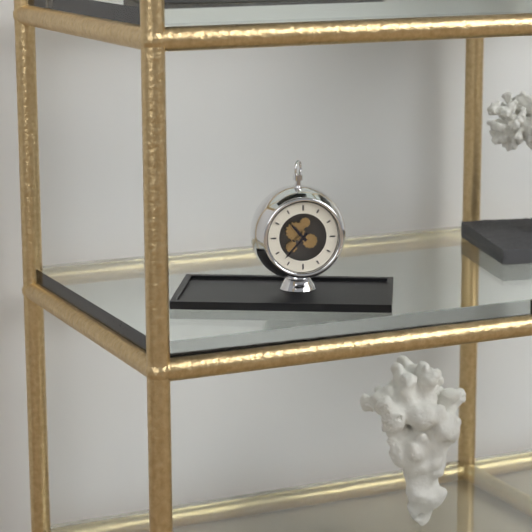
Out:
h=10 m=37
